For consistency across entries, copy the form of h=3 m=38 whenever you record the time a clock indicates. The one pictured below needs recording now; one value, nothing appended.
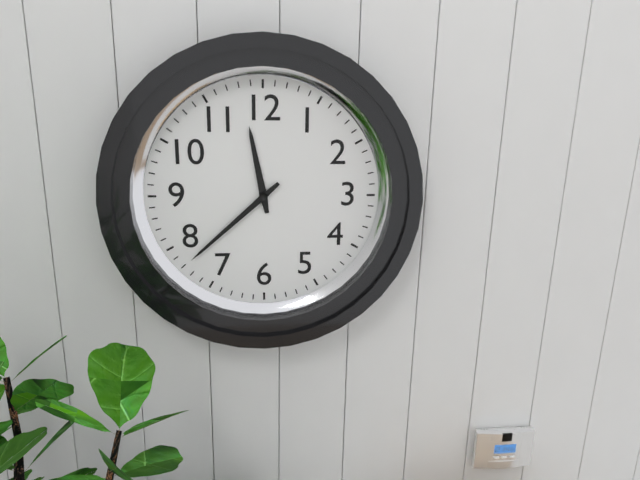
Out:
h=11 m=38
